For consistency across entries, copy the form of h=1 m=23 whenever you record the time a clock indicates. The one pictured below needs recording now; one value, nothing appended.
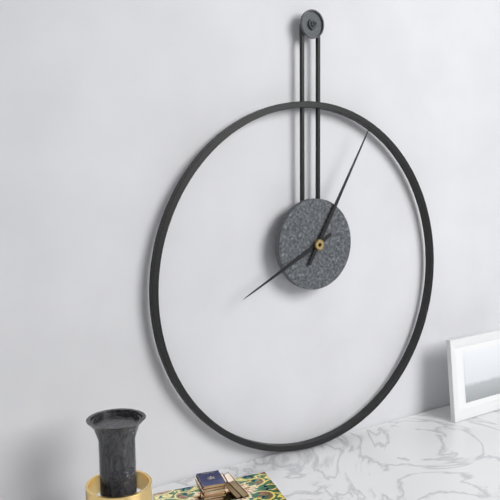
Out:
h=8 m=5
